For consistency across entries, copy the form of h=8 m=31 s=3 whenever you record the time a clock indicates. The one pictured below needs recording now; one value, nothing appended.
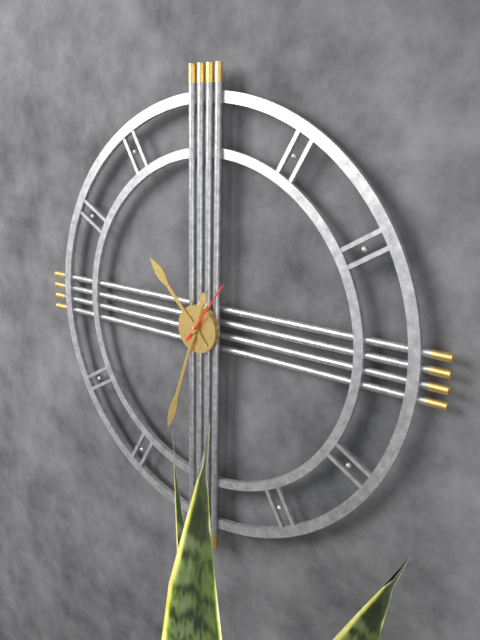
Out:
h=10 m=33 s=6
